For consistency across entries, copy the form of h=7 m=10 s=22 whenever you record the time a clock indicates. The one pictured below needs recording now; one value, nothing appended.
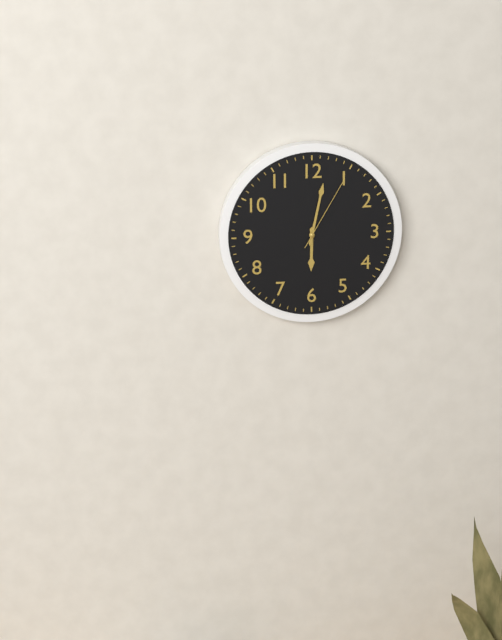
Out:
h=6 m=2 s=5
